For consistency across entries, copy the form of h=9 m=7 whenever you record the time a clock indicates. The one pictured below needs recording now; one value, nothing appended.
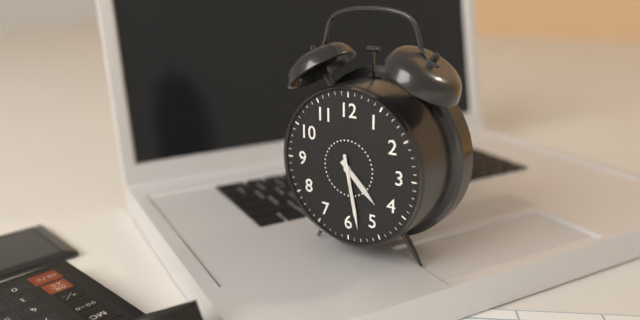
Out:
h=4 m=28
